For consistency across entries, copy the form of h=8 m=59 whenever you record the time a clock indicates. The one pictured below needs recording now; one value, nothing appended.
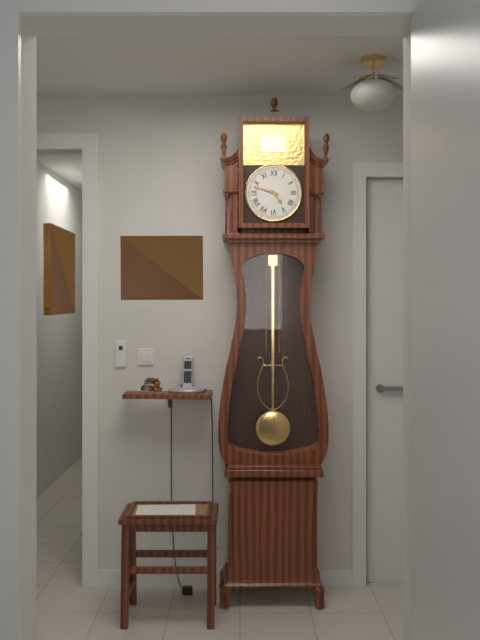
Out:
h=4 m=48
